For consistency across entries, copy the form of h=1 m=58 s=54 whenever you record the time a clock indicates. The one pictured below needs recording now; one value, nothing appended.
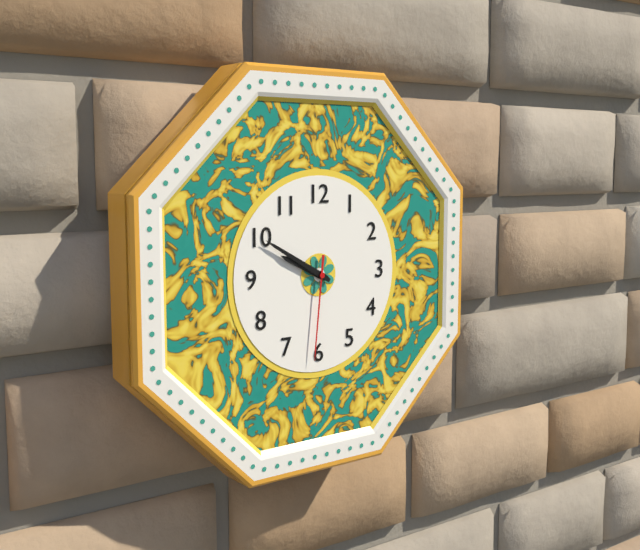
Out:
h=9 m=50 s=31
